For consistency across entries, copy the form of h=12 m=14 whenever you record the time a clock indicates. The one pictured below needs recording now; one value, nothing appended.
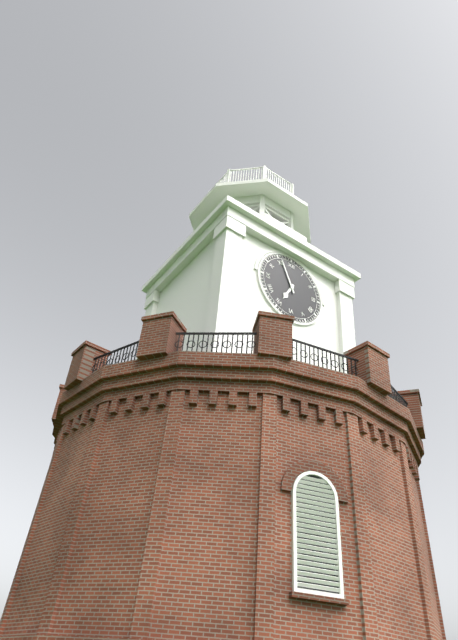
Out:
h=6 m=56
